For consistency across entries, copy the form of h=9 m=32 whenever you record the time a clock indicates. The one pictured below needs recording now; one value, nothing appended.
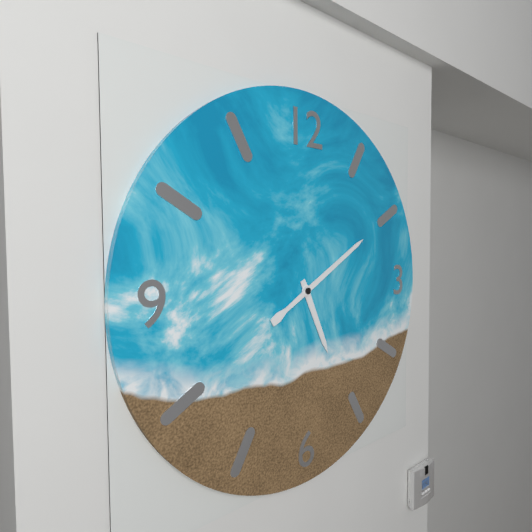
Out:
h=5 m=10
